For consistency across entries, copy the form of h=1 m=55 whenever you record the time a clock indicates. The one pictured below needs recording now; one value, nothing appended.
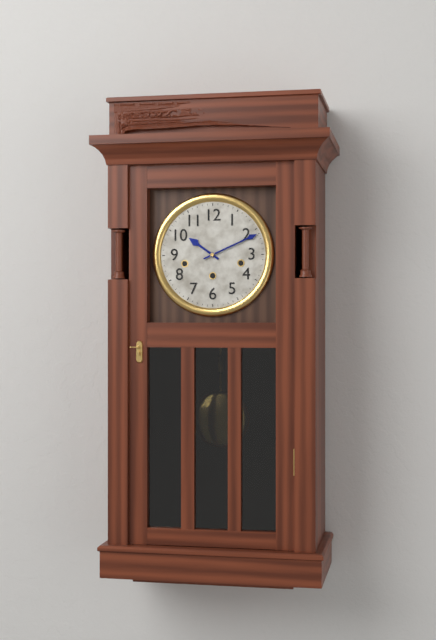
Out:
h=10 m=11
